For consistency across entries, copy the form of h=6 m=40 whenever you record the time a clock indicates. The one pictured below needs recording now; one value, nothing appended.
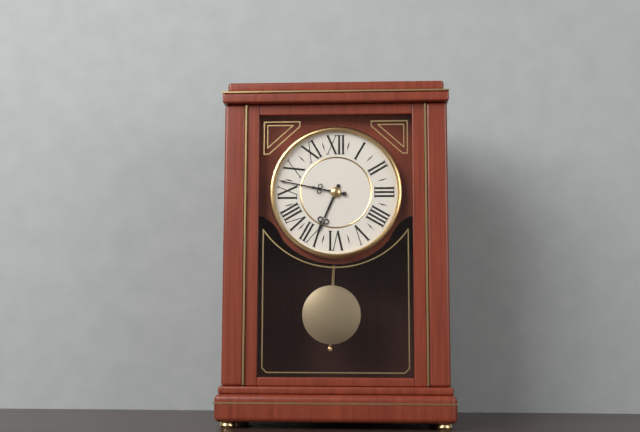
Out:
h=6 m=47
